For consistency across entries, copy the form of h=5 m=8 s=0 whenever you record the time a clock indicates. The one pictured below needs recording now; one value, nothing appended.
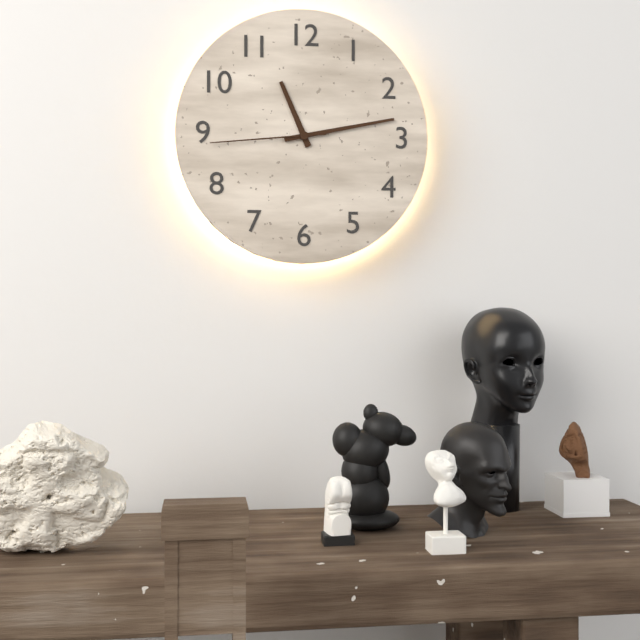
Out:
h=11 m=13 s=44
